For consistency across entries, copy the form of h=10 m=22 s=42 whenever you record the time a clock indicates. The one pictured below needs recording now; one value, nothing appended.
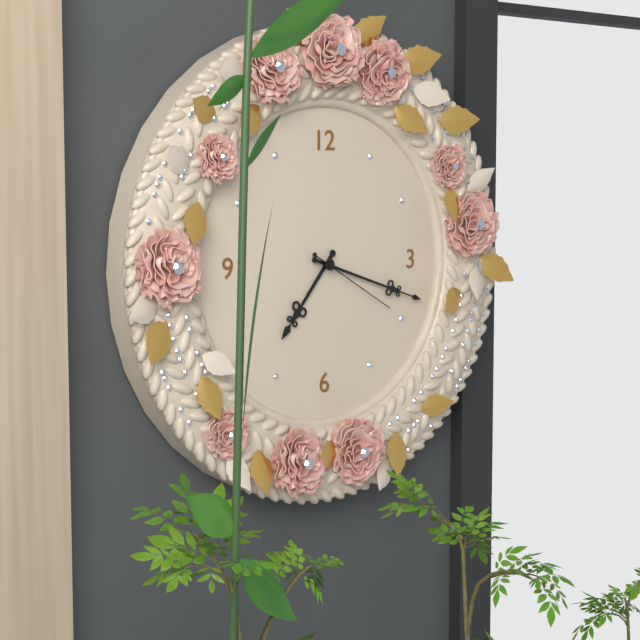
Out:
h=7 m=18 s=20
